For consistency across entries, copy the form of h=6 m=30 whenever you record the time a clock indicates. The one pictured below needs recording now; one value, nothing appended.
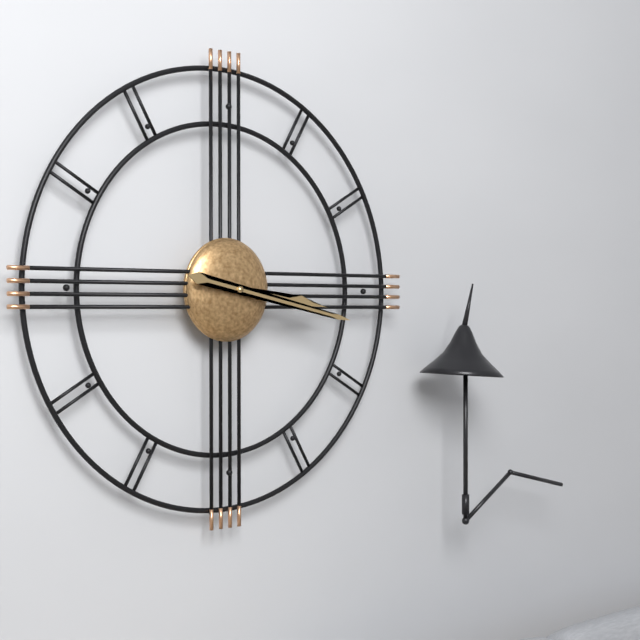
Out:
h=3 m=17
